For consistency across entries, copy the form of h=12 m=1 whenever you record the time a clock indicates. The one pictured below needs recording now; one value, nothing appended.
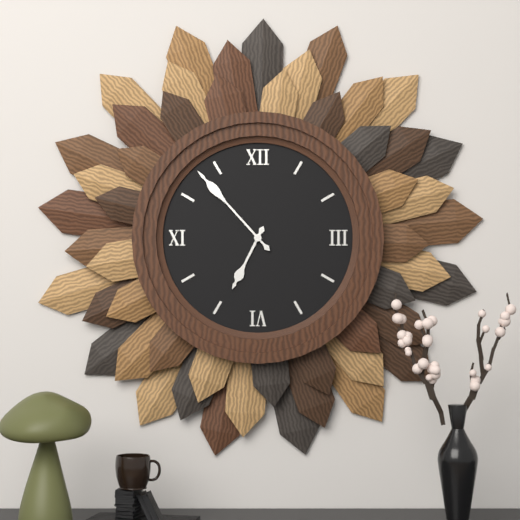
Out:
h=6 m=53
